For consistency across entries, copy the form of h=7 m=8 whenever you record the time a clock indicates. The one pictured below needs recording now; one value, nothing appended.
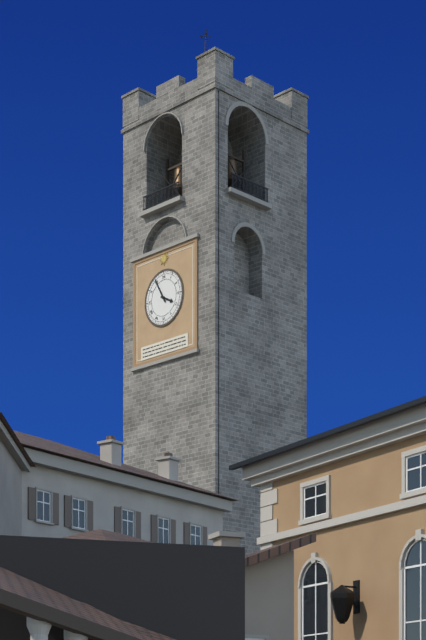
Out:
h=3 m=55
